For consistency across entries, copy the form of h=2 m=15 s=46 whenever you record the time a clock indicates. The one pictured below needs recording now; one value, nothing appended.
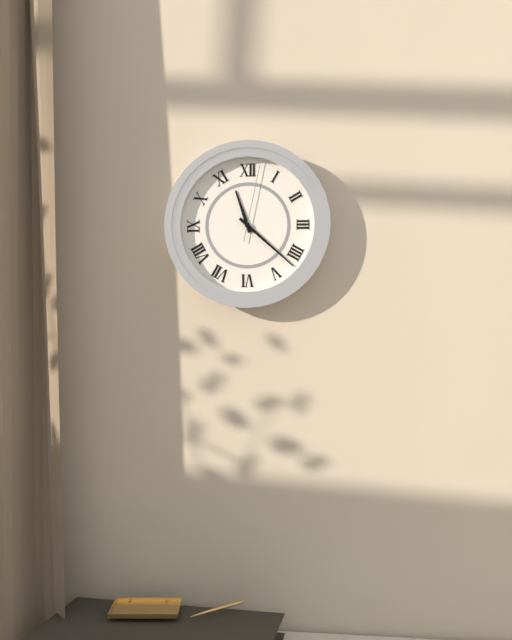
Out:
h=11 m=22 s=2
